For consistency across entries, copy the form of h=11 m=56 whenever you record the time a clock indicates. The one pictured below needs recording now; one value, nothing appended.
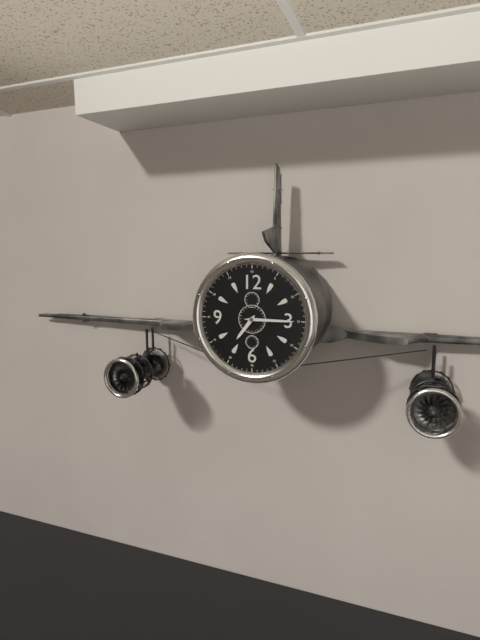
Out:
h=7 m=15
